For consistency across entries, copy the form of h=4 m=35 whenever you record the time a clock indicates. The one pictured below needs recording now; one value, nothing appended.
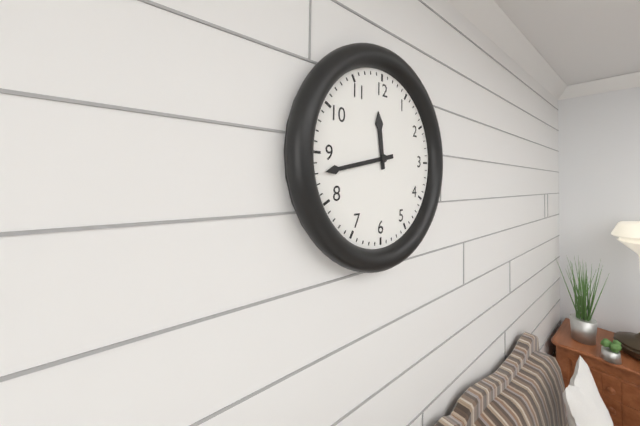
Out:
h=11 m=43
